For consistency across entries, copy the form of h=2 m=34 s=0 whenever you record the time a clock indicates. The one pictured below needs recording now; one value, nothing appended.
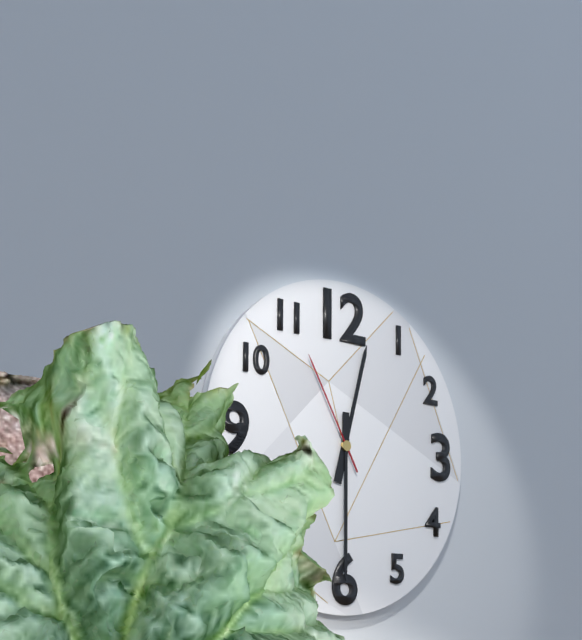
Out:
h=12 m=30 s=55
